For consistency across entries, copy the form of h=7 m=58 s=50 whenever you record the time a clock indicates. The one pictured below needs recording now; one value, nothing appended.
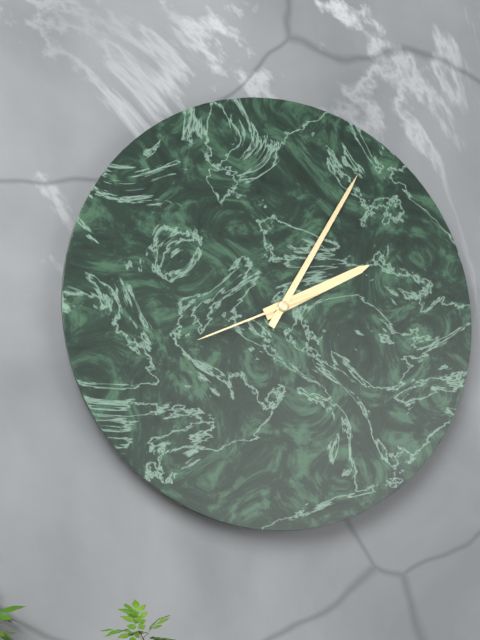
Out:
h=2 m=5 s=41
